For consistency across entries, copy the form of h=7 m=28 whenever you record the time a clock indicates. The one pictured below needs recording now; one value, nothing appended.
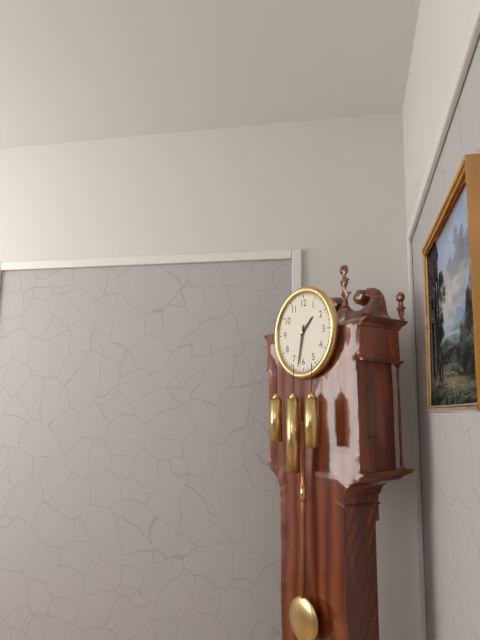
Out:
h=1 m=32
